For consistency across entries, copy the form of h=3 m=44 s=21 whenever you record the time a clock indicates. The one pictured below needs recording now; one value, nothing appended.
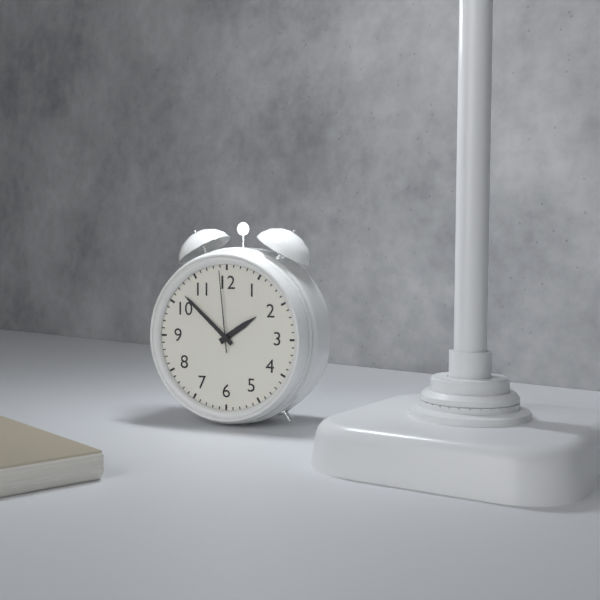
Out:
h=1 m=52 s=59
